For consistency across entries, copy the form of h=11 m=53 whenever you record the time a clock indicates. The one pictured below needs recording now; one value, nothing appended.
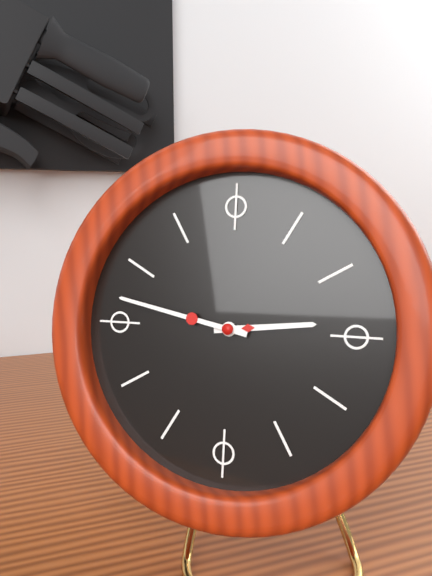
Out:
h=2 m=47
